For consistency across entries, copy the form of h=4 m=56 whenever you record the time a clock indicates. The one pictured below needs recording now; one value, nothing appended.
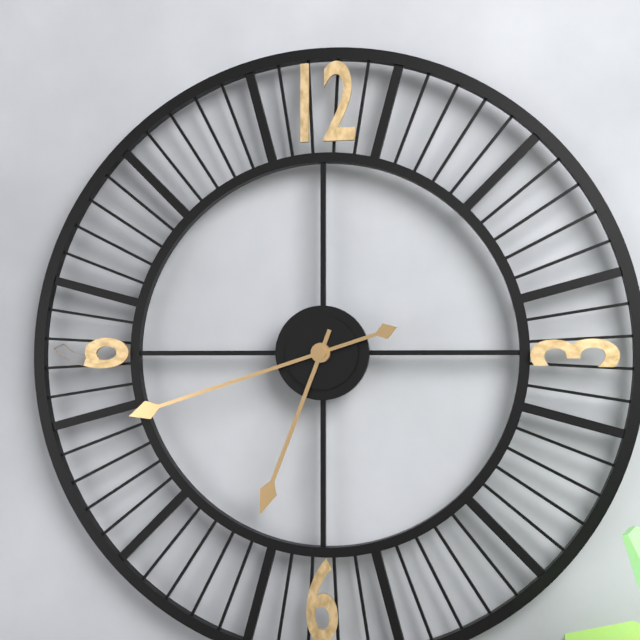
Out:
h=6 m=42
